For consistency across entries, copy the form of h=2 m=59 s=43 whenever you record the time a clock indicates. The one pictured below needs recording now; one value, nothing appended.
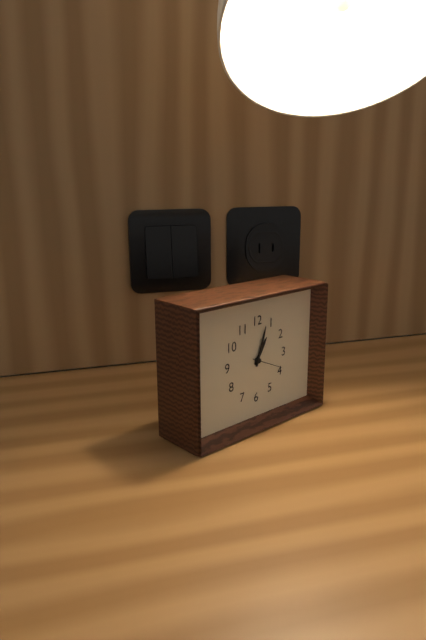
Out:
h=1 m=3 s=19
